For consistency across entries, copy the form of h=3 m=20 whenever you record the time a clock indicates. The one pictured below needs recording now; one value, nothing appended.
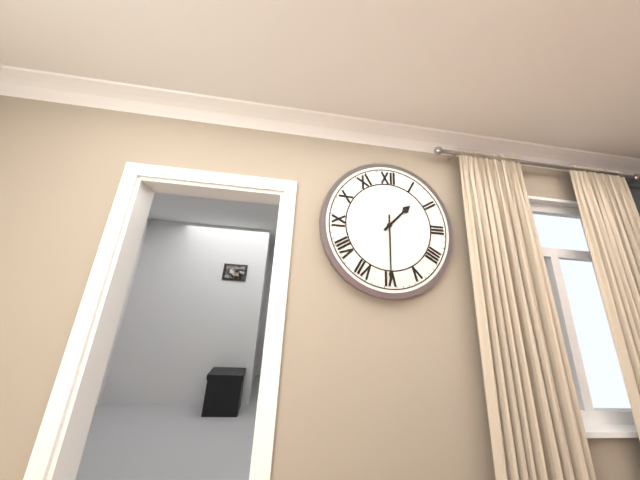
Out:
h=1 m=30
